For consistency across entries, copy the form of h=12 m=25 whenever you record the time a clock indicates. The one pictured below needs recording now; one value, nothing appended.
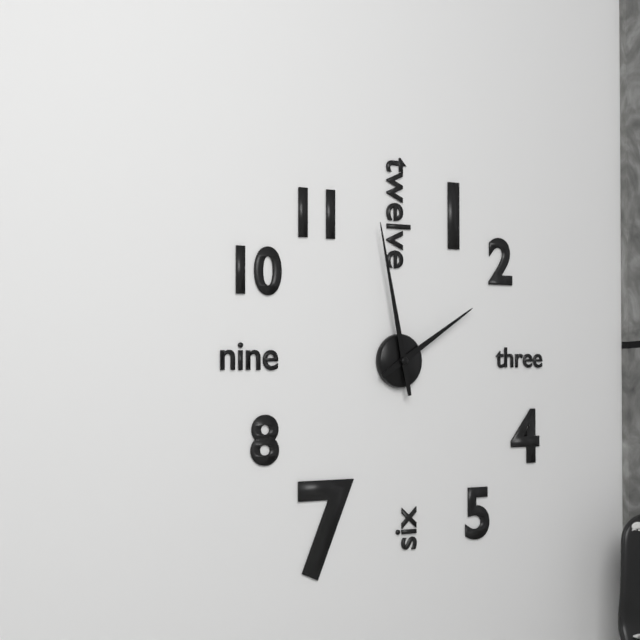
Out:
h=1 m=58
